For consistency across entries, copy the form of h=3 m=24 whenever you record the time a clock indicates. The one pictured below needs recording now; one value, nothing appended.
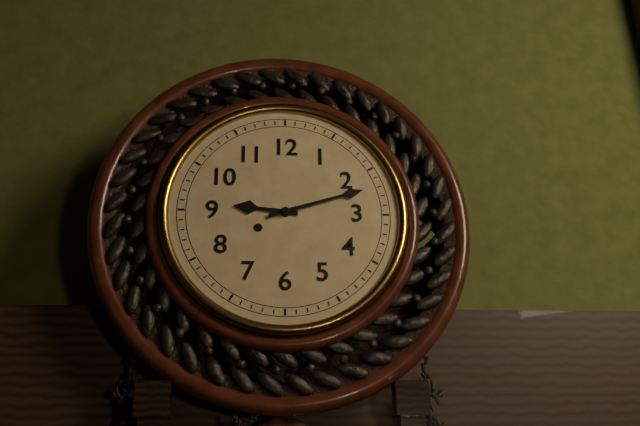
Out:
h=9 m=12
